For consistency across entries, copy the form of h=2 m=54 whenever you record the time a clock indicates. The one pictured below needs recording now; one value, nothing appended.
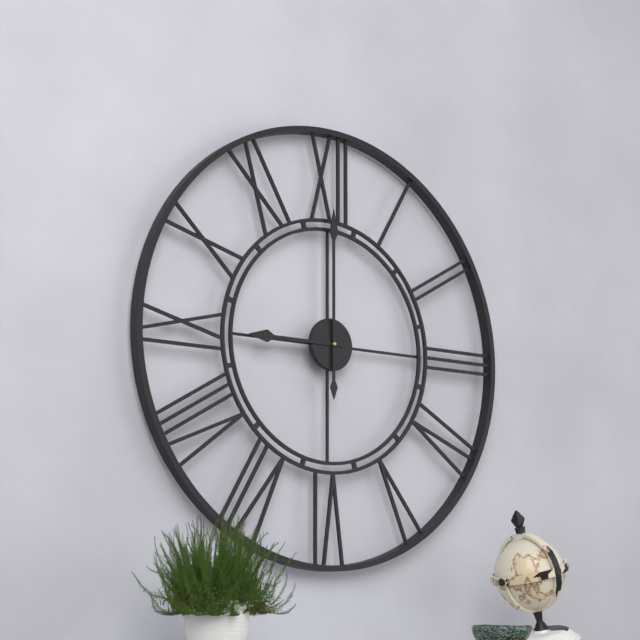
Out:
h=9 m=0
